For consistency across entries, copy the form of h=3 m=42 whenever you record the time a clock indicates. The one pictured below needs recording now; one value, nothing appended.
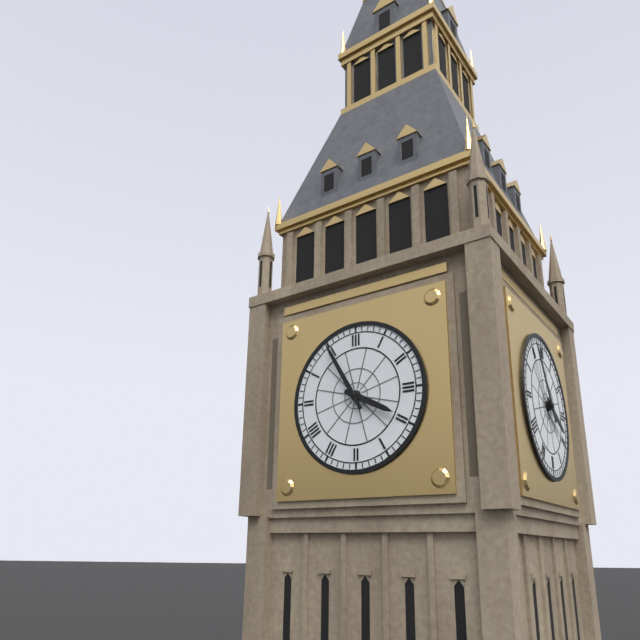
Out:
h=3 m=55
